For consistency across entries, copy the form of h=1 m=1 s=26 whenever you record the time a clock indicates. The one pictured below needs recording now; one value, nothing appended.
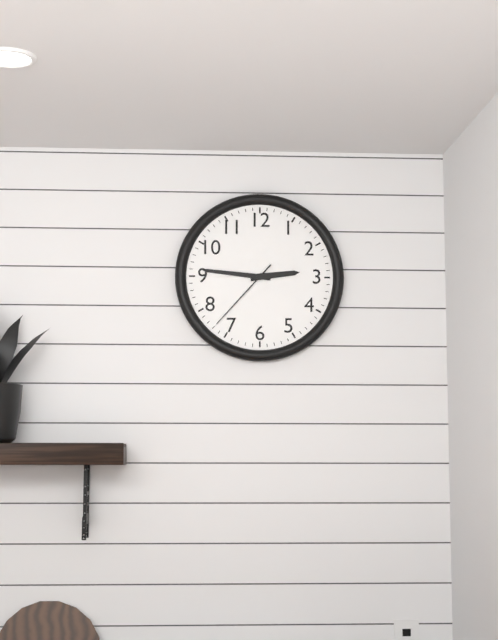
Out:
h=2 m=46 s=37
